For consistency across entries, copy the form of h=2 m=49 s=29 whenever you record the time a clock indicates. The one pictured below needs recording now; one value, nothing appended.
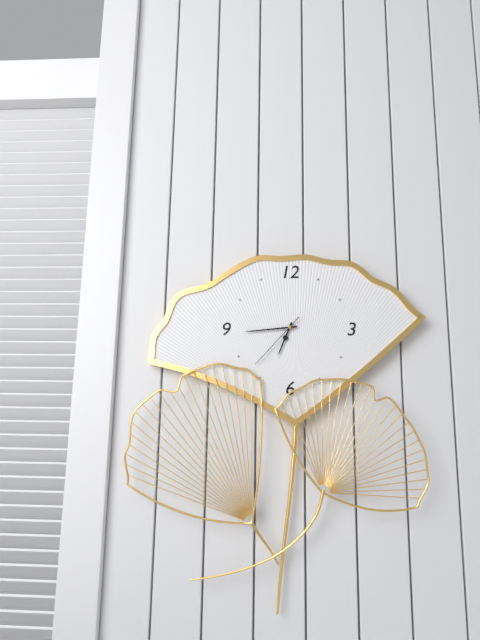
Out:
h=6 m=44 s=37
